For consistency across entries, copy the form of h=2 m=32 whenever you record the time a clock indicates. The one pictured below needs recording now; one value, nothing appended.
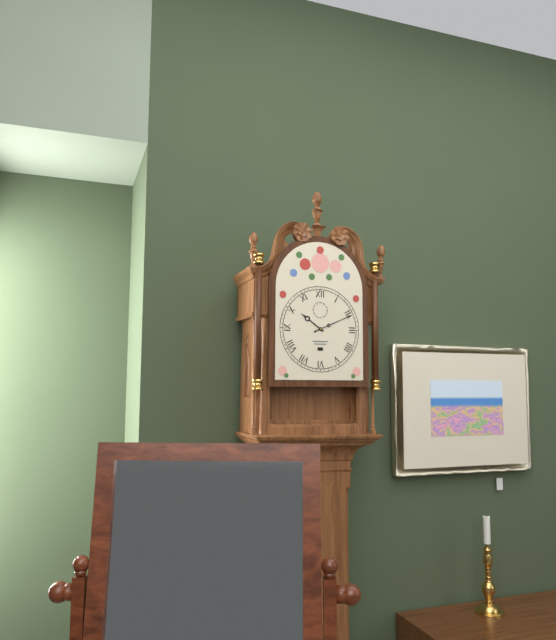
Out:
h=10 m=11
